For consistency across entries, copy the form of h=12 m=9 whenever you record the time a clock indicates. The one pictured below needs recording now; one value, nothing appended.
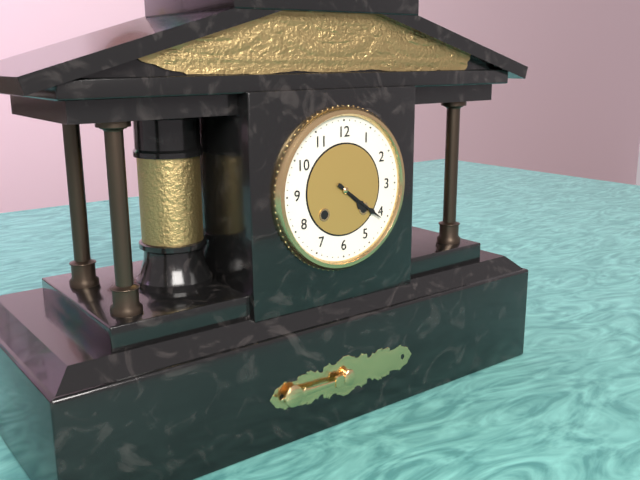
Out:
h=4 m=21
